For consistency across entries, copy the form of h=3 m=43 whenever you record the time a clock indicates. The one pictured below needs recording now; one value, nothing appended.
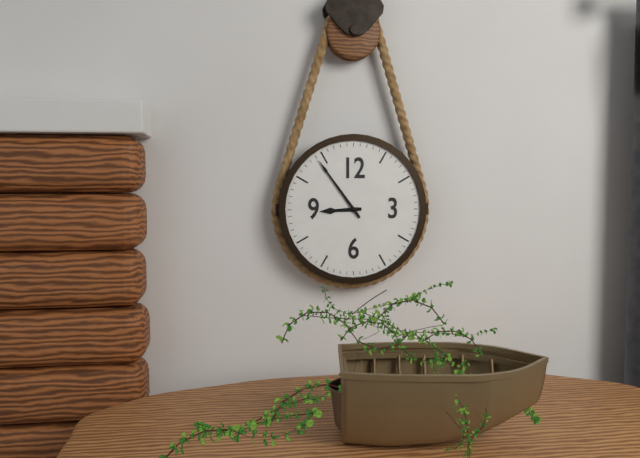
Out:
h=8 m=54
